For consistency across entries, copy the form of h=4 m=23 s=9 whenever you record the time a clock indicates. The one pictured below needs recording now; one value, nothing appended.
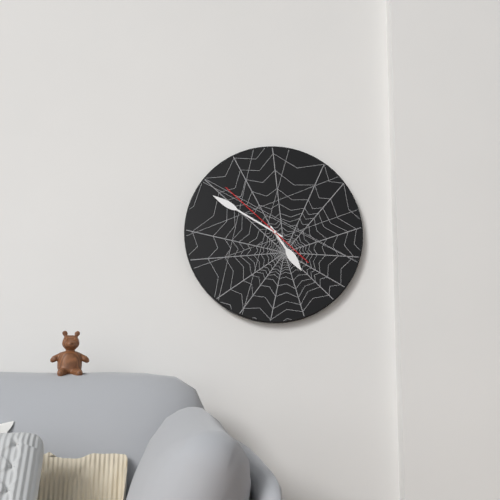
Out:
h=4 m=50 s=52
